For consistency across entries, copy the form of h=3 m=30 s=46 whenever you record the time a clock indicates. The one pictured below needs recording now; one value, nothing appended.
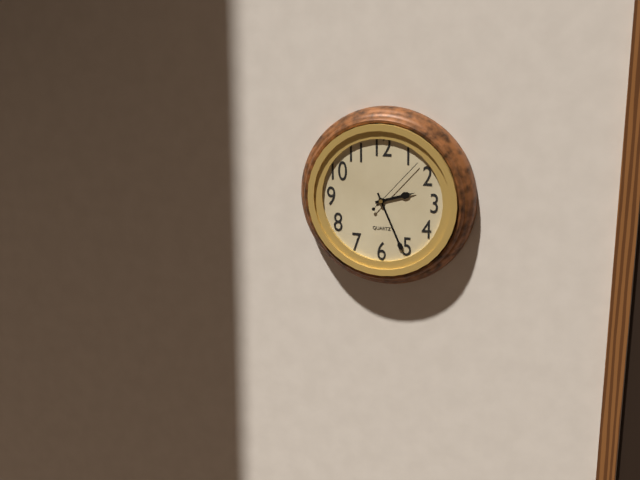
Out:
h=2 m=26 s=7
